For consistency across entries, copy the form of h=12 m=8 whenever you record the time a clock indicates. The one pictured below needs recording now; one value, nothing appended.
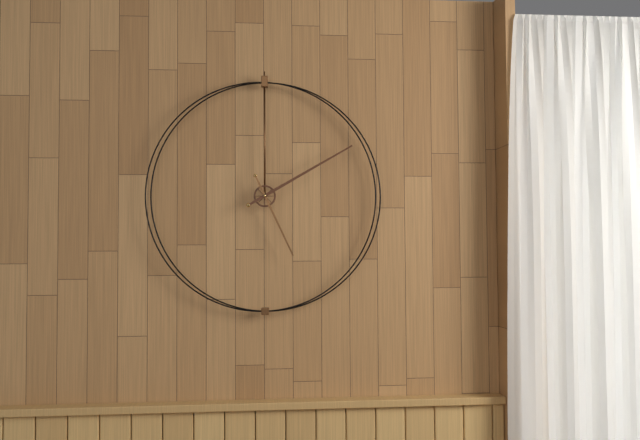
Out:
h=5 m=10
